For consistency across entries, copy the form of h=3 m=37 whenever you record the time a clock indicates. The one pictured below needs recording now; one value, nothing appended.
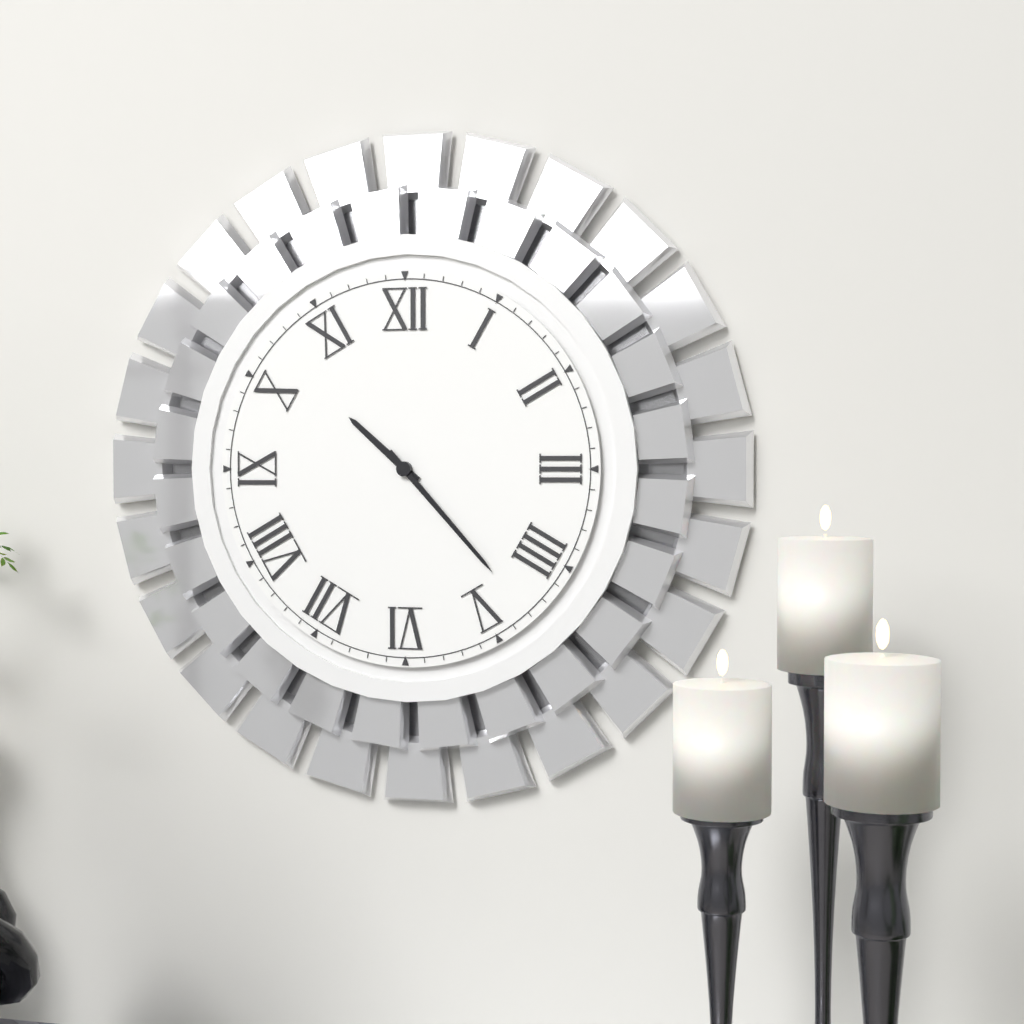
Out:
h=10 m=23
